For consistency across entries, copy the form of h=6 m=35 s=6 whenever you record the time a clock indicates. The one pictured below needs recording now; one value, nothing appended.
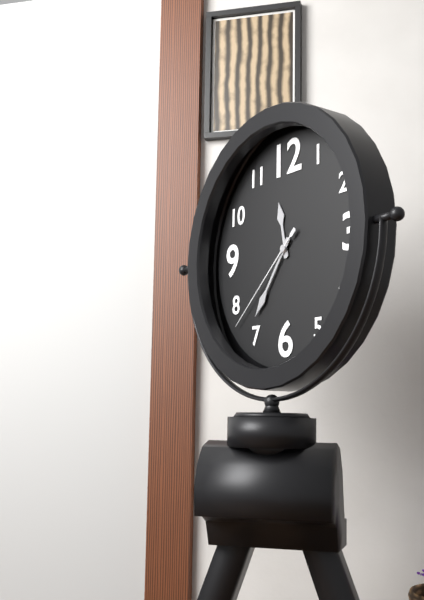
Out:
h=11 m=36 s=38
